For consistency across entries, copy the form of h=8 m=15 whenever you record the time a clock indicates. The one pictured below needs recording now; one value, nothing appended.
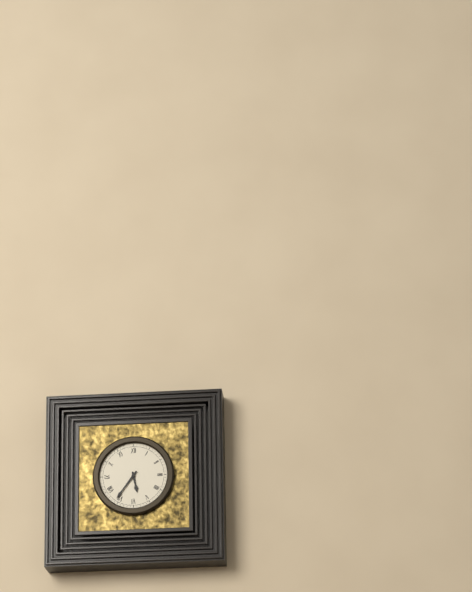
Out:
h=5 m=36
